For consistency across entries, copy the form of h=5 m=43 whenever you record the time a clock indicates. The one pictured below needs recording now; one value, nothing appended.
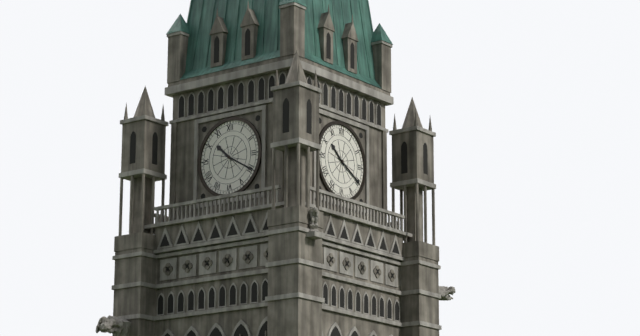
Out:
h=10 m=20
